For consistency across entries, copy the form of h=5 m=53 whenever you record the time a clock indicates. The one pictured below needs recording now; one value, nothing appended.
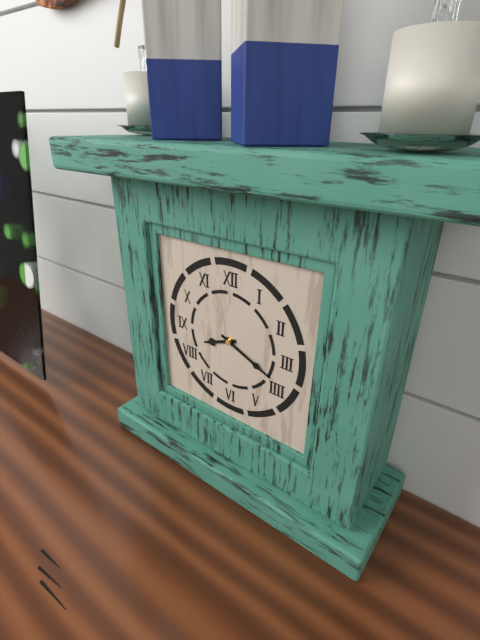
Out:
h=8 m=19
